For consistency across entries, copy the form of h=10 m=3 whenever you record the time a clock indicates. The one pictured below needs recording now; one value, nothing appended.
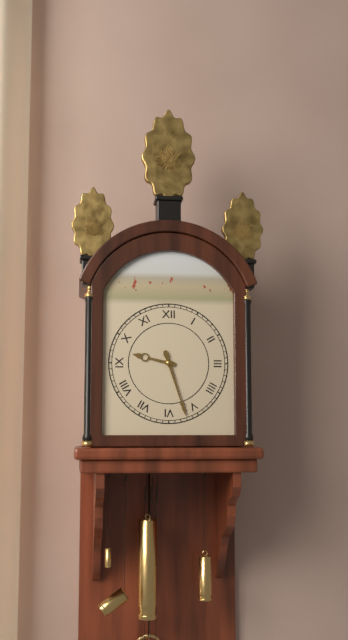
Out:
h=9 m=27
